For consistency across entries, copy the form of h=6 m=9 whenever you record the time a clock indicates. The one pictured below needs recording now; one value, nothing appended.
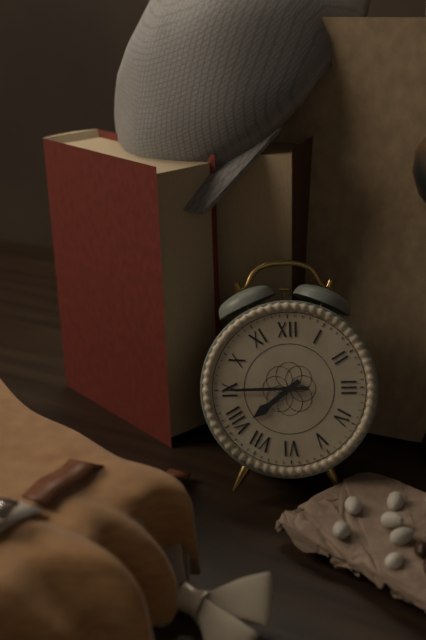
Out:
h=7 m=45
